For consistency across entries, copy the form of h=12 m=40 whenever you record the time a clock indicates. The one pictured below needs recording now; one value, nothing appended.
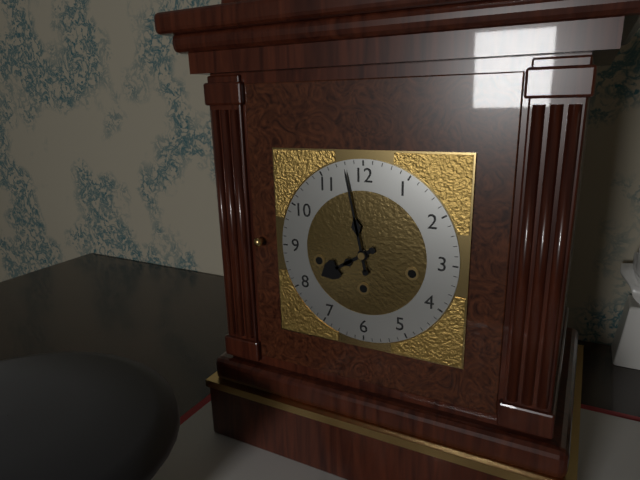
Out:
h=7 m=58
